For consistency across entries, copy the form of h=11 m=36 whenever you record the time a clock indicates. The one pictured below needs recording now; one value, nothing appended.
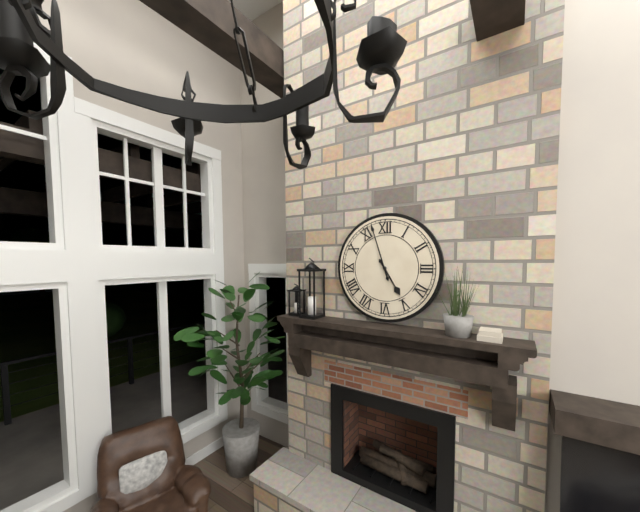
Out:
h=4 m=57
